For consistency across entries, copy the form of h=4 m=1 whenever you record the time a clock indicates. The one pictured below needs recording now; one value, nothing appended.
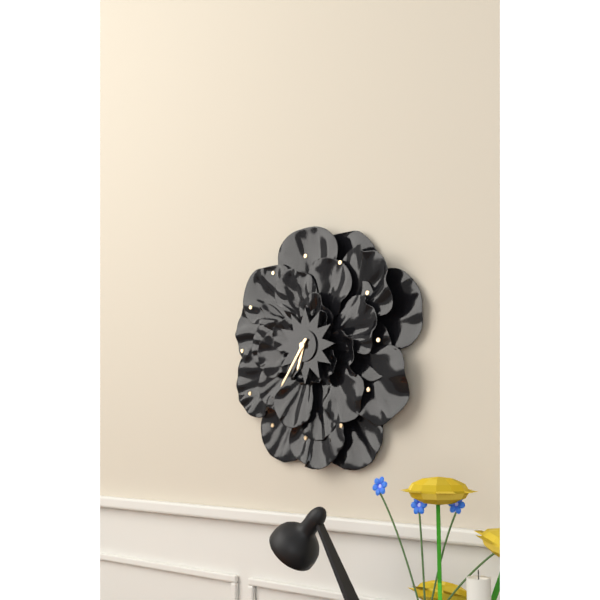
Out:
h=6 m=36
